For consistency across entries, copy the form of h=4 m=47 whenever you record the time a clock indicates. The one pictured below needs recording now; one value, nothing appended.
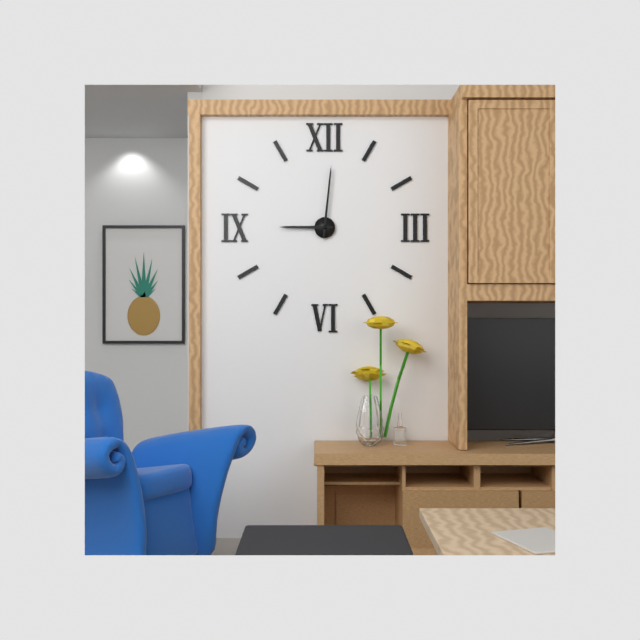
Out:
h=9 m=1
